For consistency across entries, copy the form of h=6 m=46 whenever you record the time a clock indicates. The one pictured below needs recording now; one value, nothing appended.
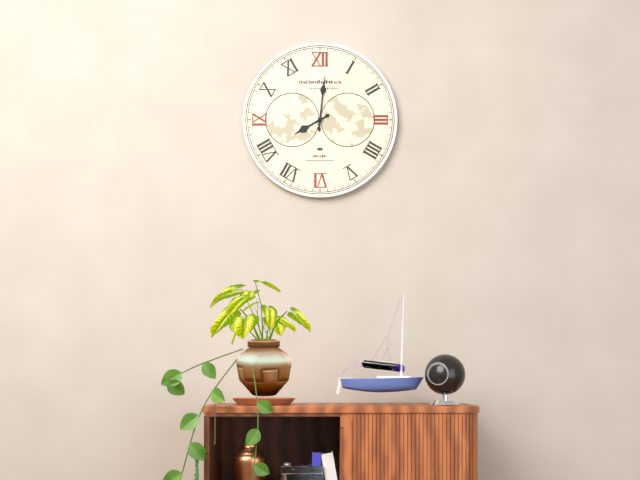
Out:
h=8 m=1
